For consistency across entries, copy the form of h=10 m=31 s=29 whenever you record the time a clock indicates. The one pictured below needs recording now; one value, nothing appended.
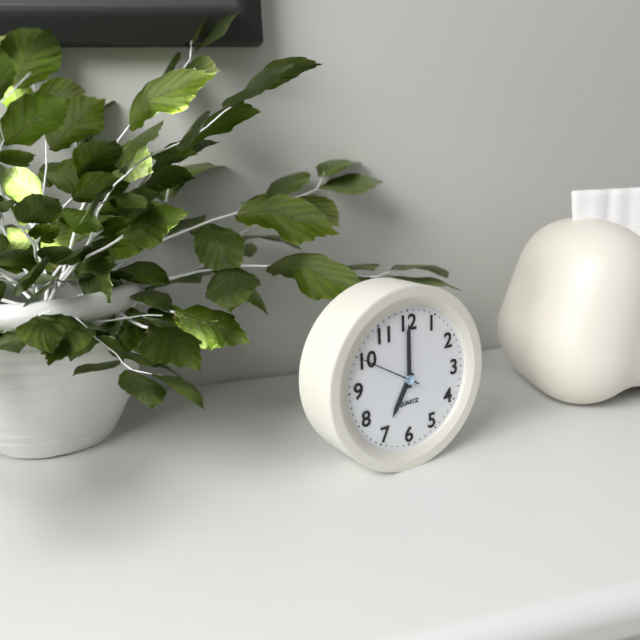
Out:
h=7 m=0 s=50
